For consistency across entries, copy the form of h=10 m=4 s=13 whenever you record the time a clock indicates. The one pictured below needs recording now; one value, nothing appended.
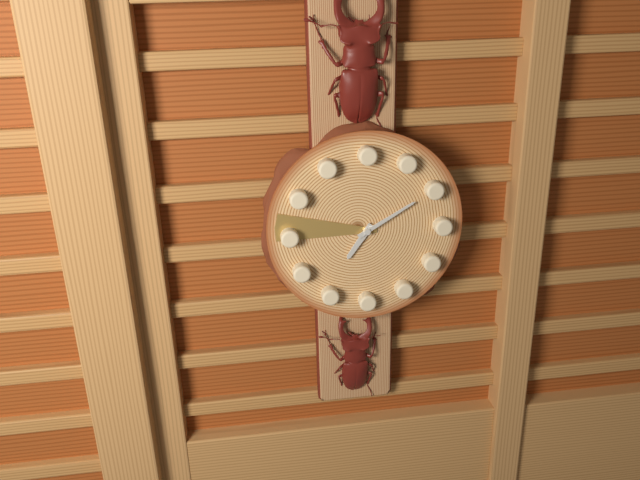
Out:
h=7 m=10 s=46
